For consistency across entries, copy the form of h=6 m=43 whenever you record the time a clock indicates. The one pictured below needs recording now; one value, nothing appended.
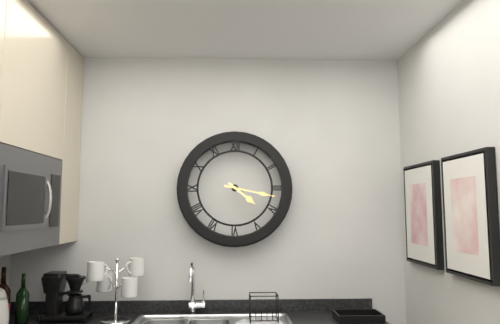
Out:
h=4 m=17
